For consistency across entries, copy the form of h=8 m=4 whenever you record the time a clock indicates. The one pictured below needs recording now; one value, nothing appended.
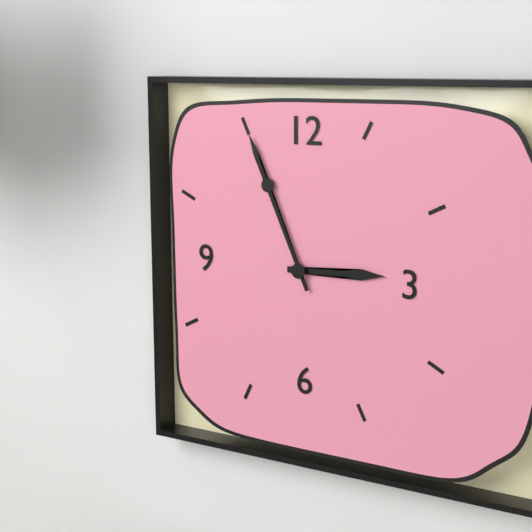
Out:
h=2 m=56
